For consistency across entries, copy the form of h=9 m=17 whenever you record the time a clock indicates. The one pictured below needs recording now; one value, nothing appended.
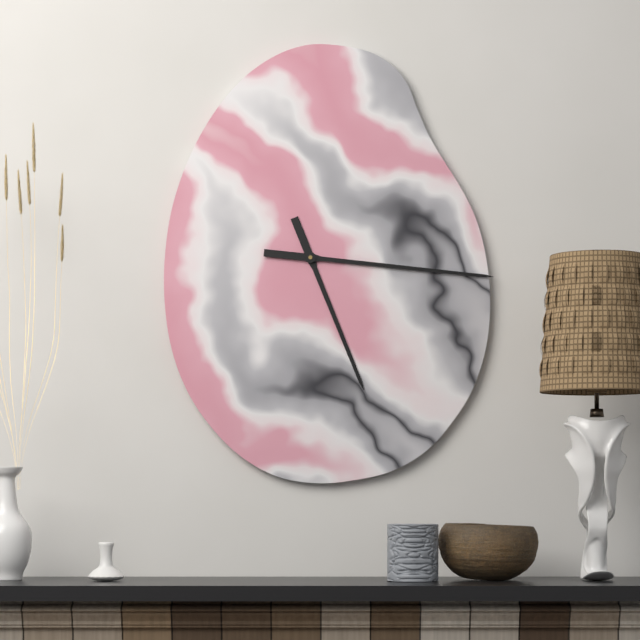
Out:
h=5 m=16
